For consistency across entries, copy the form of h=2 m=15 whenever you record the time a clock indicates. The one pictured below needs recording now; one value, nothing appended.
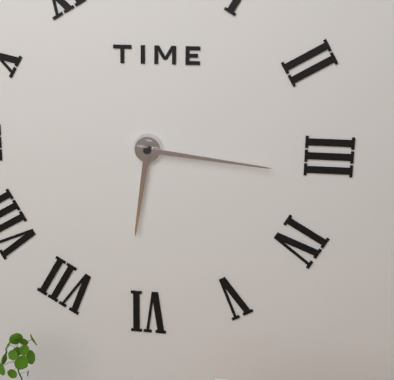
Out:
h=6 m=16
